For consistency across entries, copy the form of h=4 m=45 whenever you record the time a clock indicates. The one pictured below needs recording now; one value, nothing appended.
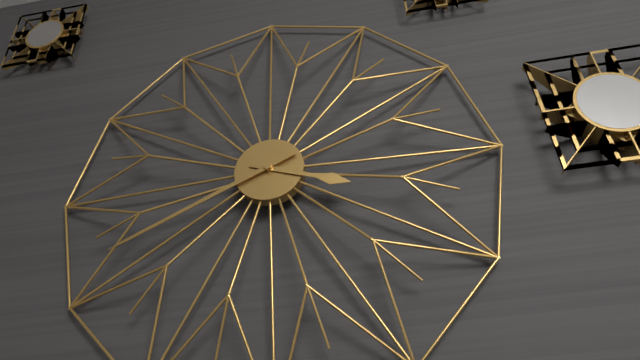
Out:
h=3 m=41
